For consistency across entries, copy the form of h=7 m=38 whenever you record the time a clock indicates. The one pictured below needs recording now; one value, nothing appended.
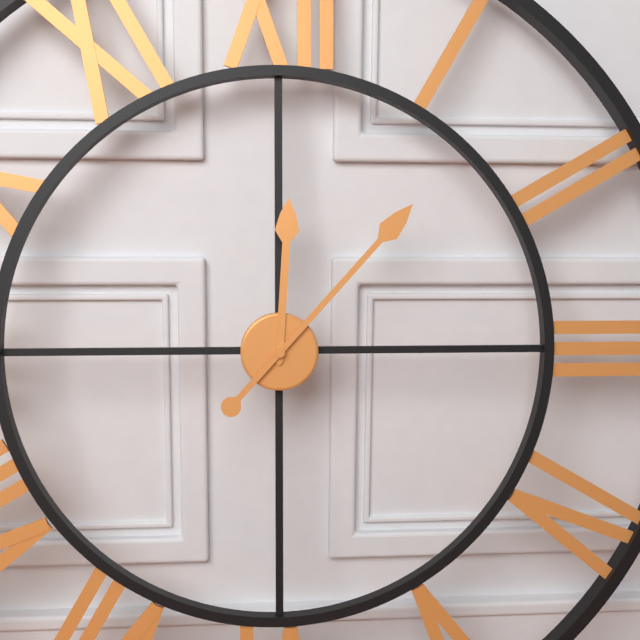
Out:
h=12 m=7
